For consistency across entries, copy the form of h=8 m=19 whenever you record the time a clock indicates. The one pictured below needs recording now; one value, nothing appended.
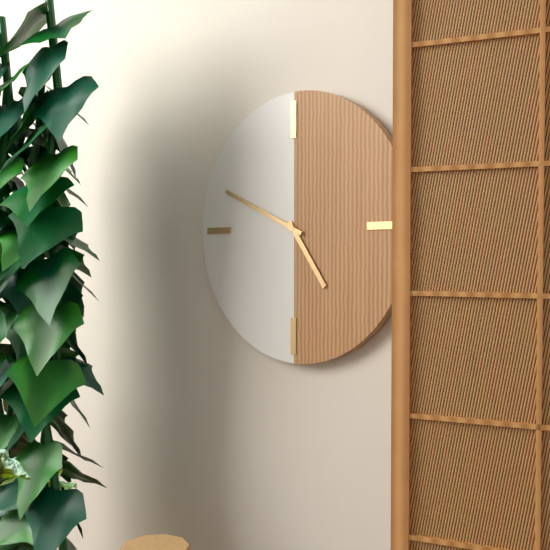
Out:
h=4 m=49
